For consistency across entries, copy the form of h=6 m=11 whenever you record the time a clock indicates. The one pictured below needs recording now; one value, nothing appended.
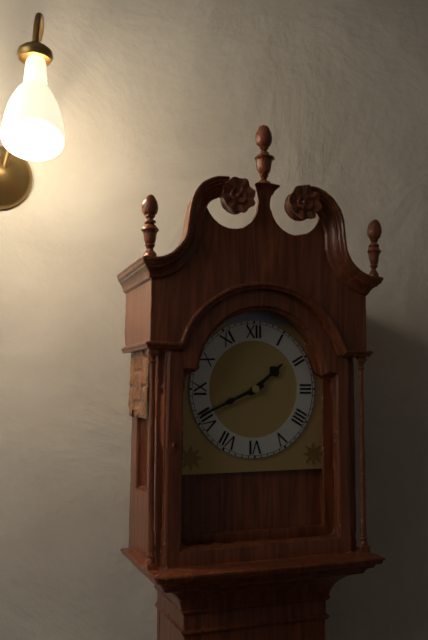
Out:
h=1 m=41
